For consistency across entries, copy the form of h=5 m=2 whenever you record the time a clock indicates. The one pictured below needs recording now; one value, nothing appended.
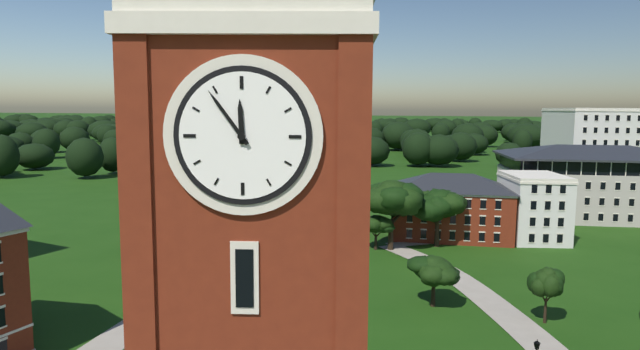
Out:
h=11 m=54
